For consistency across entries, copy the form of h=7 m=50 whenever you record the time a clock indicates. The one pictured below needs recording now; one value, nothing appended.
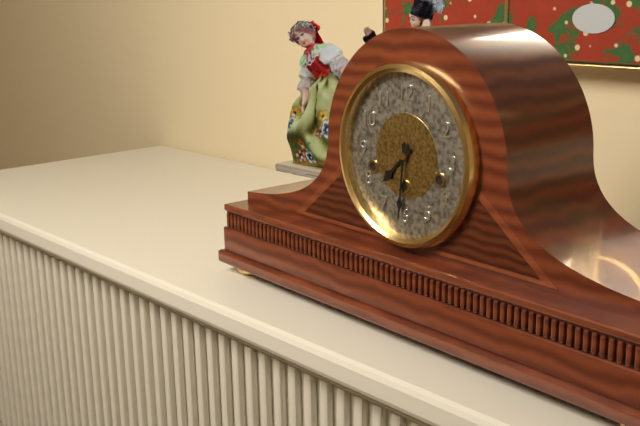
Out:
h=7 m=31
